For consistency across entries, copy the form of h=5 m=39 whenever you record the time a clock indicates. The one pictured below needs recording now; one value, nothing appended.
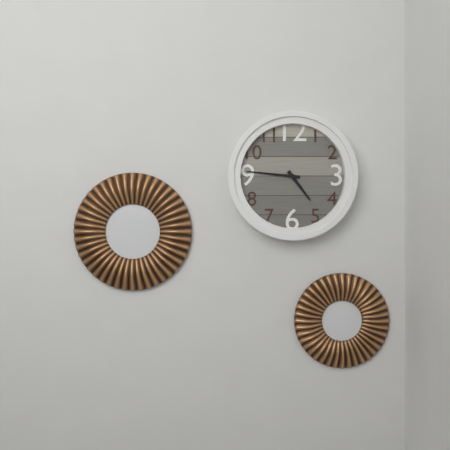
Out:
h=4 m=46
